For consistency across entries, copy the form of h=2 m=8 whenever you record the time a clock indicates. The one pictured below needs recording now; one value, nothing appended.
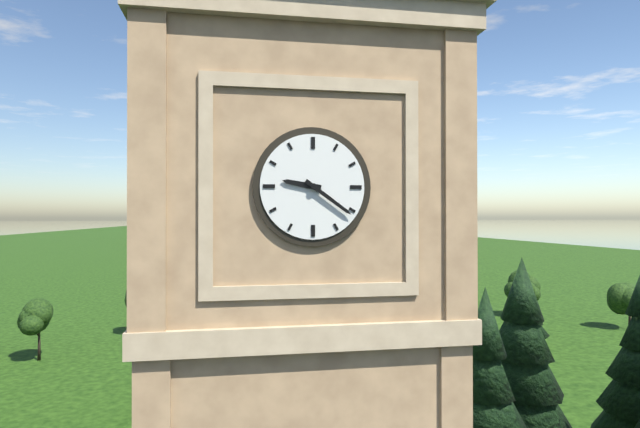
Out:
h=9 m=21
